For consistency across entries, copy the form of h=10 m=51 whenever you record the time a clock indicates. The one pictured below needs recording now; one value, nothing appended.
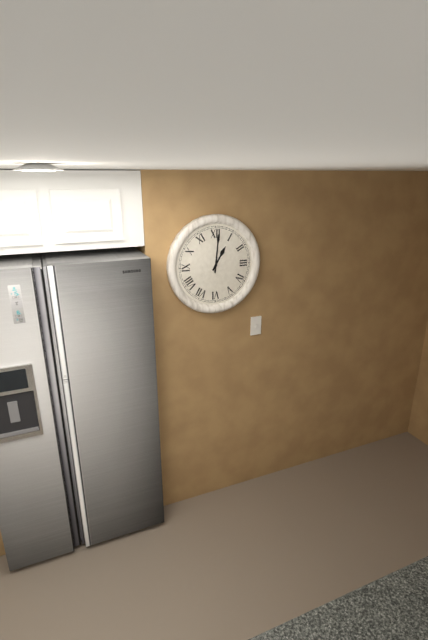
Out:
h=1 m=1
